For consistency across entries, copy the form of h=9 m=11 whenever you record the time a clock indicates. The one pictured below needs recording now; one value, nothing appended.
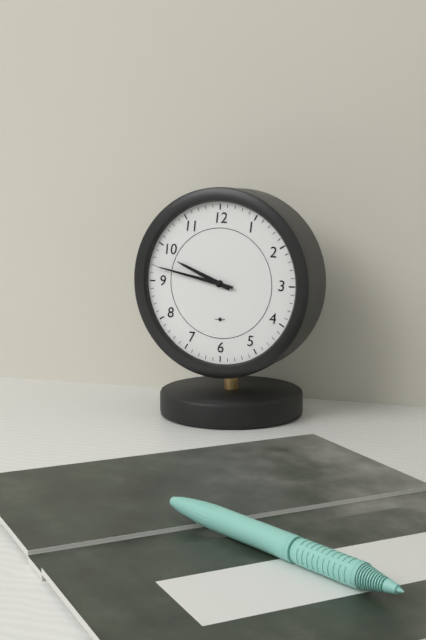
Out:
h=9 m=47
